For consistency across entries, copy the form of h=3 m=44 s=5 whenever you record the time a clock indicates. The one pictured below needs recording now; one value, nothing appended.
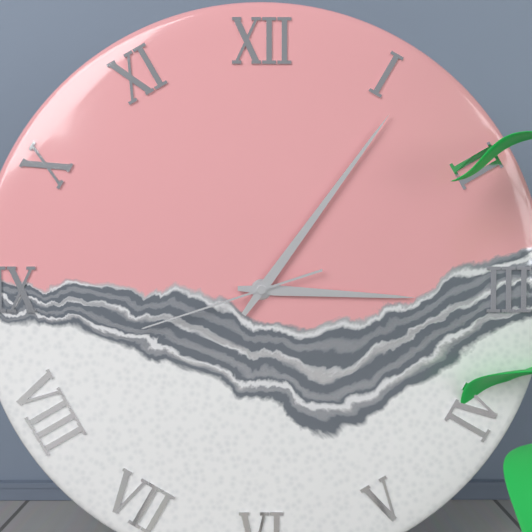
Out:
h=3 m=6 s=42
